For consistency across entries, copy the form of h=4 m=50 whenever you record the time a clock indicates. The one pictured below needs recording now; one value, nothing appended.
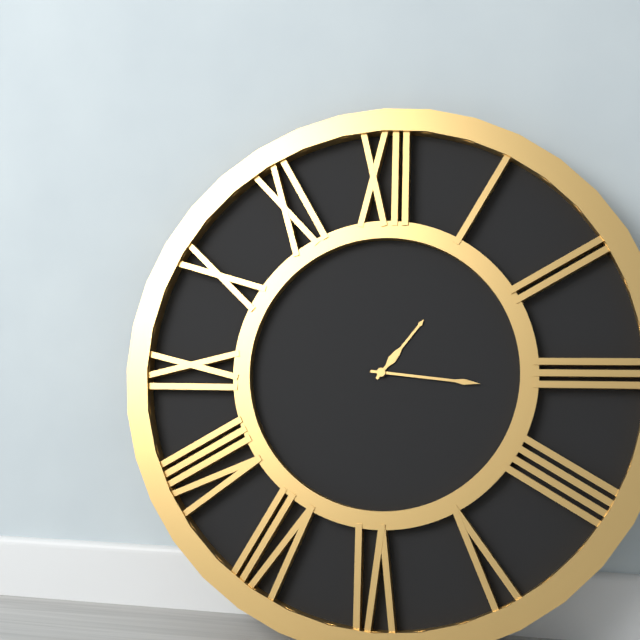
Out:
h=1 m=16
